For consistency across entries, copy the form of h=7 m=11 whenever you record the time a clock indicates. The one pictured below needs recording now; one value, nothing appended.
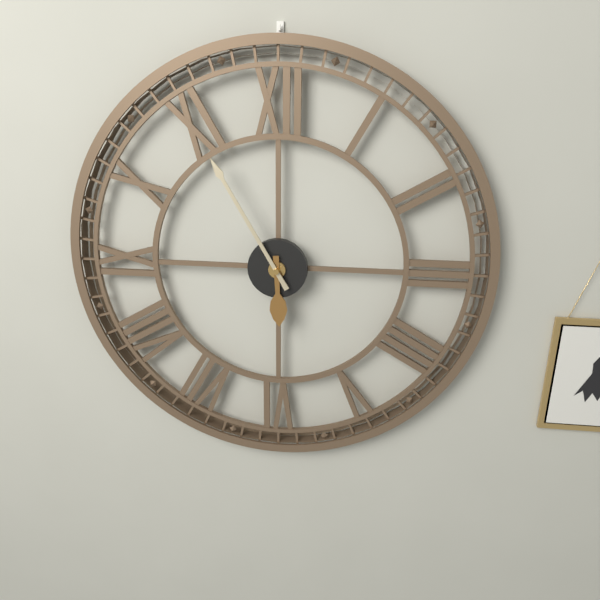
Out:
h=5 m=55
